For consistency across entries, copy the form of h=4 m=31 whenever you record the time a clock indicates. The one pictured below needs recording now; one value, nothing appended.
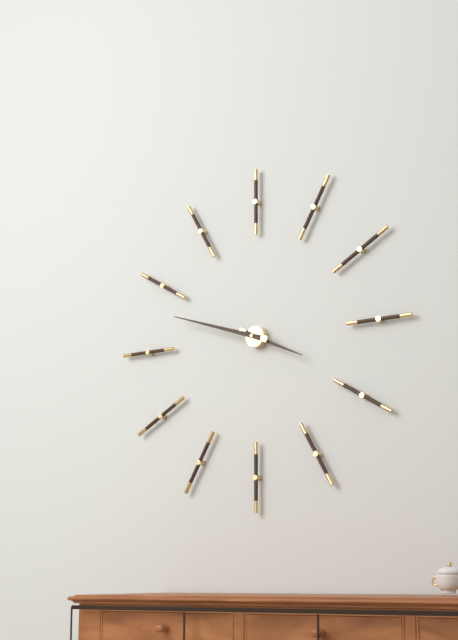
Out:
h=3 m=48
